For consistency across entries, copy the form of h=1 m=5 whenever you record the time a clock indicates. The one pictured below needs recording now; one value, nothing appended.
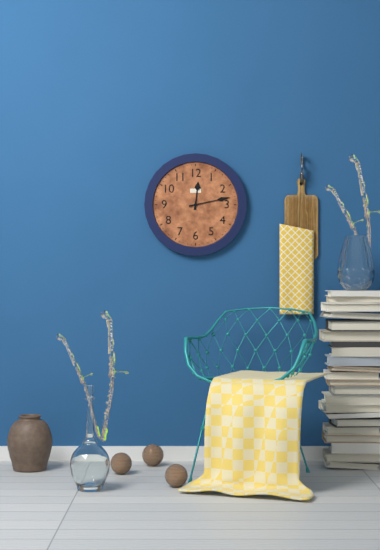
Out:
h=12 m=13
